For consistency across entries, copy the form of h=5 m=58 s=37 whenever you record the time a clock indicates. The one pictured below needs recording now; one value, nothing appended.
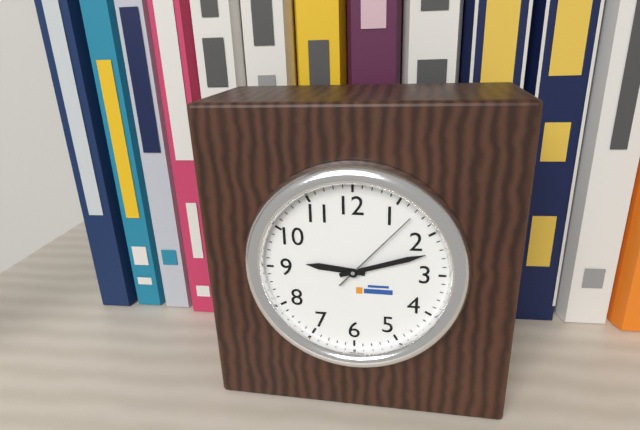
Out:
h=9 m=12 s=7
